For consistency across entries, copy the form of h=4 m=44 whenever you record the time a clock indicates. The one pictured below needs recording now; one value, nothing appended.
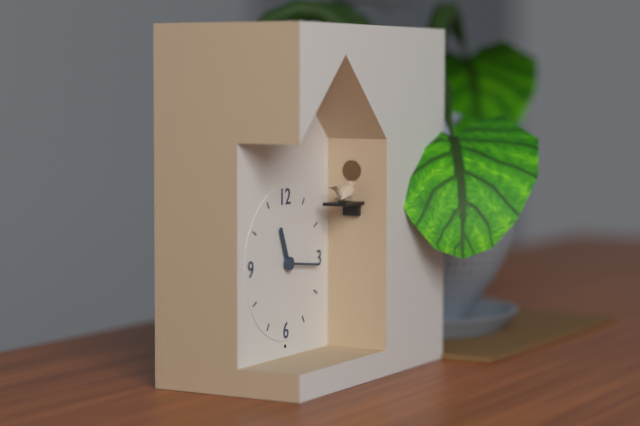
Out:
h=11 m=16
